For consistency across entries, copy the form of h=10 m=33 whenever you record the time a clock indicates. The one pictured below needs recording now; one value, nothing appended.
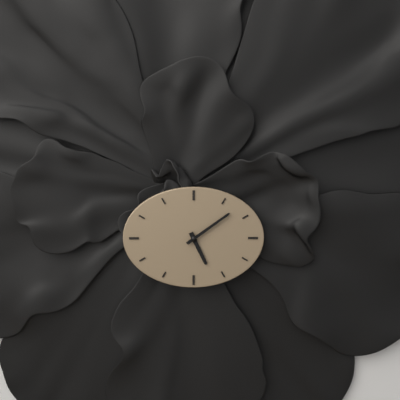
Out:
h=5 m=9
